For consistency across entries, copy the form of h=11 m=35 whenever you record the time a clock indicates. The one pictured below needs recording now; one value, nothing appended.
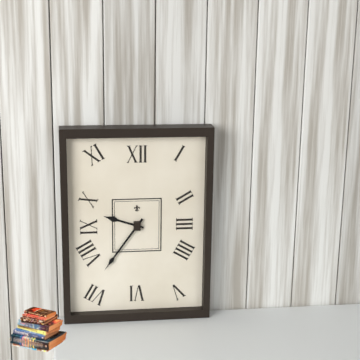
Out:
h=9 m=36
